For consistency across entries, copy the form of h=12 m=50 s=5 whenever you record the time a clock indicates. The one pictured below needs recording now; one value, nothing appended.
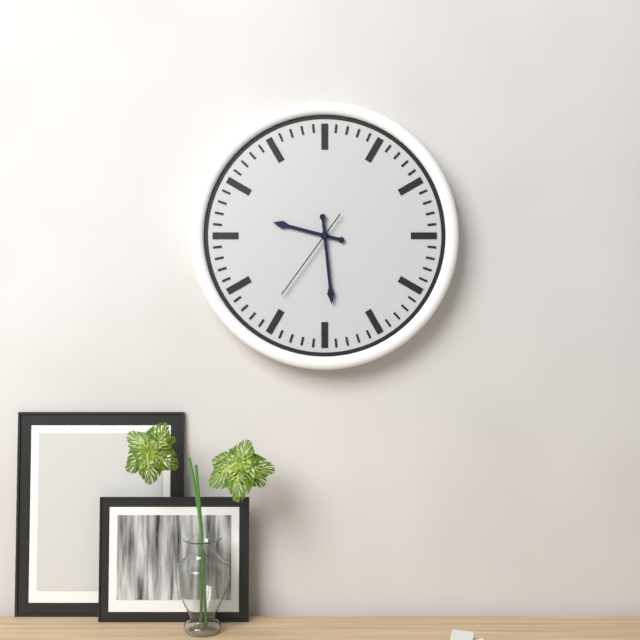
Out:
h=9 m=29 s=36
